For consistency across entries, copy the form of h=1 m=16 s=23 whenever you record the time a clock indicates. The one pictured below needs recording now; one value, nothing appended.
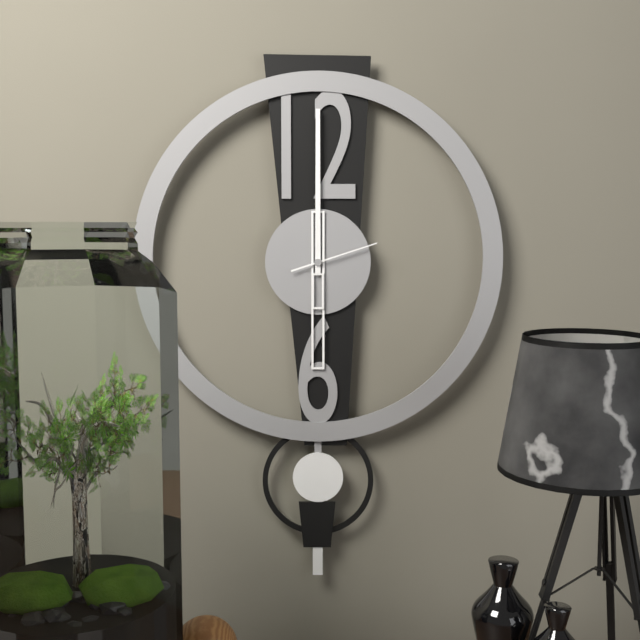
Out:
h=6 m=0 s=12
